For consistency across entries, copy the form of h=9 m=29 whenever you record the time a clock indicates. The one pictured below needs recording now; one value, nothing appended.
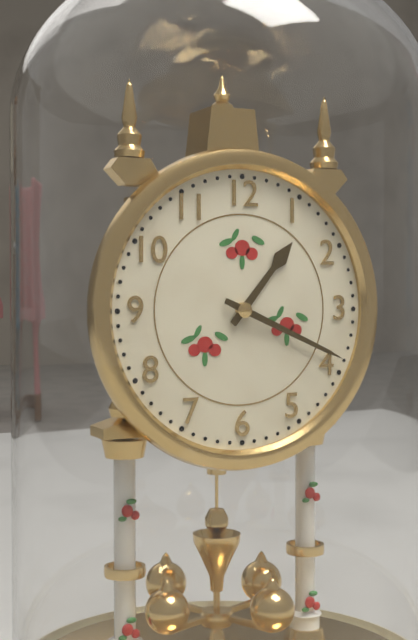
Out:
h=1 m=19
